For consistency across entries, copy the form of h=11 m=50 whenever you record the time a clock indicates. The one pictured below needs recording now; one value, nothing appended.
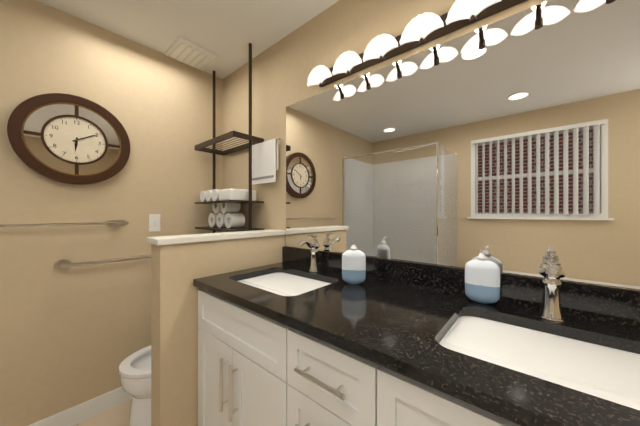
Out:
h=6 m=10
